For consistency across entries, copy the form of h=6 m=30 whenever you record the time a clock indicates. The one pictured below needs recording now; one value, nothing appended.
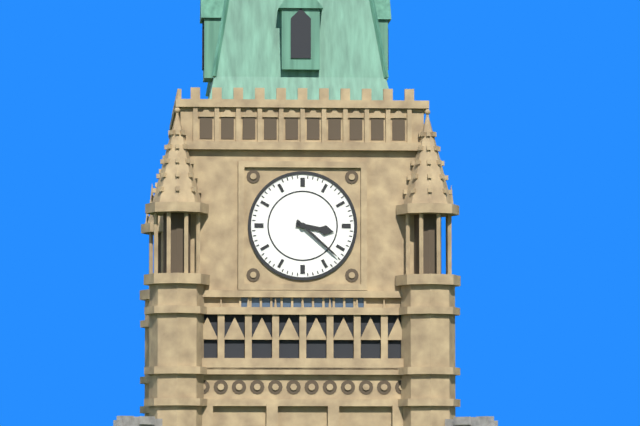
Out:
h=3 m=22
